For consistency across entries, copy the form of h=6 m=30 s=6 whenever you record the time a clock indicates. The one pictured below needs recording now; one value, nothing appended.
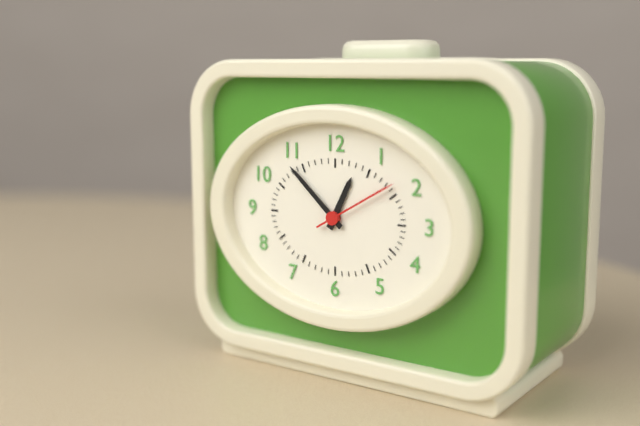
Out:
h=12 m=52 s=10
